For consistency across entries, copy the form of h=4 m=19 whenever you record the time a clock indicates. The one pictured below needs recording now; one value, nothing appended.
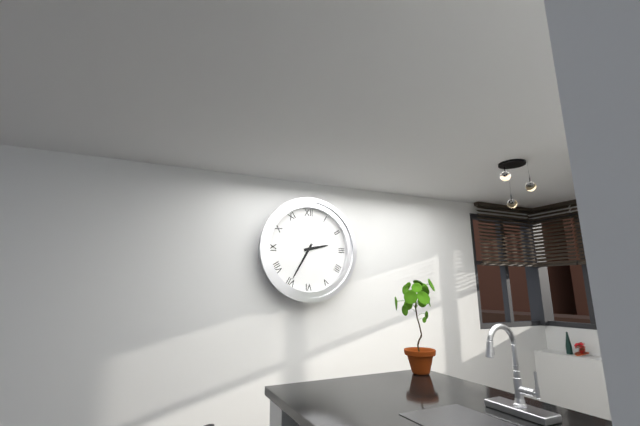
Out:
h=2 m=35
